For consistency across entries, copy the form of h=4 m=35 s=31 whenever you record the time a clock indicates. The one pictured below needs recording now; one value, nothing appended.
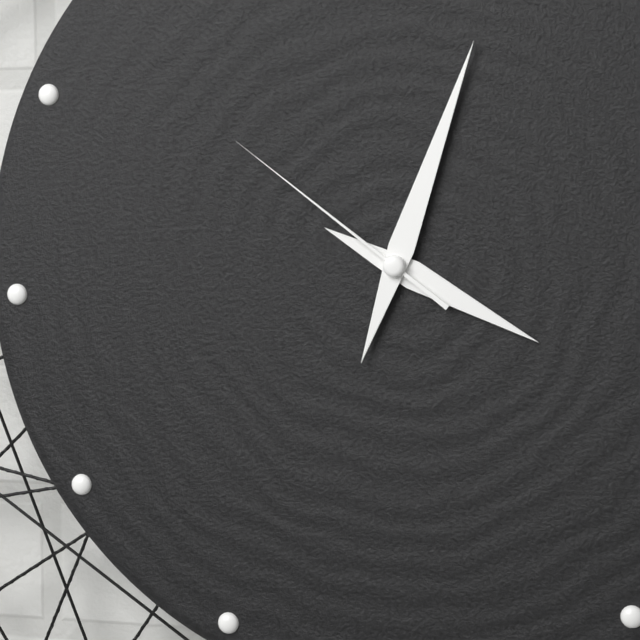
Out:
h=4 m=4 s=52
